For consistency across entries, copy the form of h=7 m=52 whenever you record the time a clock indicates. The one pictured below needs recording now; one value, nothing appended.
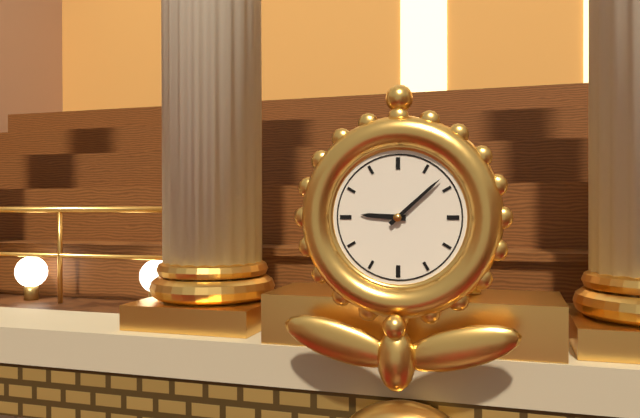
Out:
h=9 m=8
